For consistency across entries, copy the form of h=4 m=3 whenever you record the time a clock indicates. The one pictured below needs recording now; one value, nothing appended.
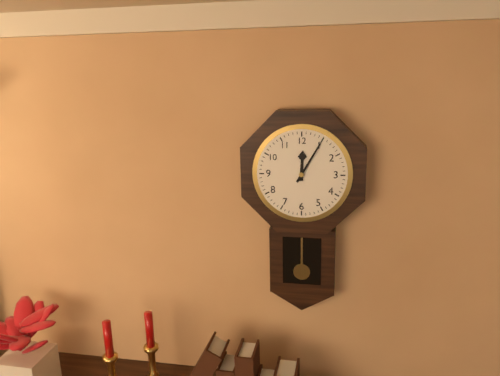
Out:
h=12 m=5
